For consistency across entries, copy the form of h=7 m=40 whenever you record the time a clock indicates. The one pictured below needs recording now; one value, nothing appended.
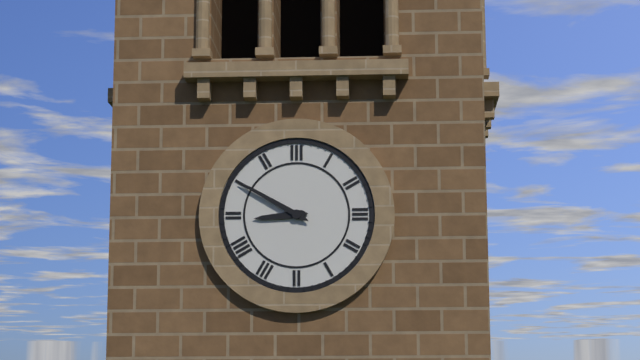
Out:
h=8 m=50
